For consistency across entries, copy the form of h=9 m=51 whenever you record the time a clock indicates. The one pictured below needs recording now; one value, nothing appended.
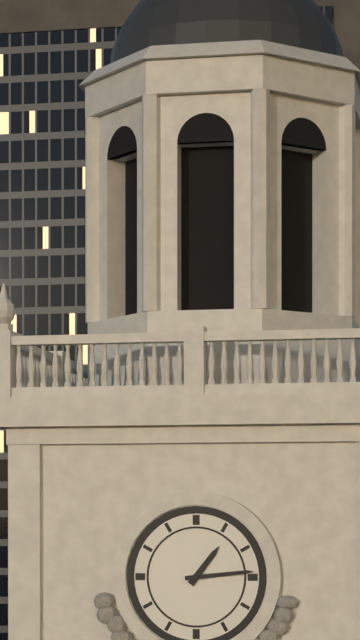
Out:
h=1 m=14
